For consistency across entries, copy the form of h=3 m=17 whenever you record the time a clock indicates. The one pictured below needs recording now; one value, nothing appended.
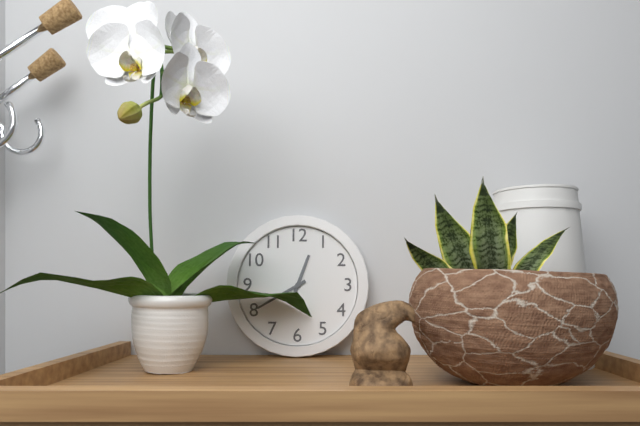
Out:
h=12 m=40
